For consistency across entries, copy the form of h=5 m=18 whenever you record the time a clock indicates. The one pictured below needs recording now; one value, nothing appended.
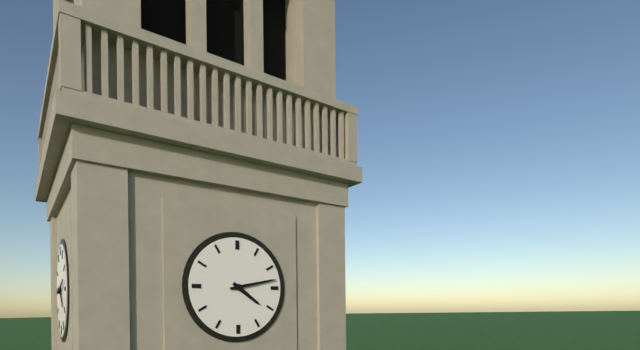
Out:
h=4 m=13
